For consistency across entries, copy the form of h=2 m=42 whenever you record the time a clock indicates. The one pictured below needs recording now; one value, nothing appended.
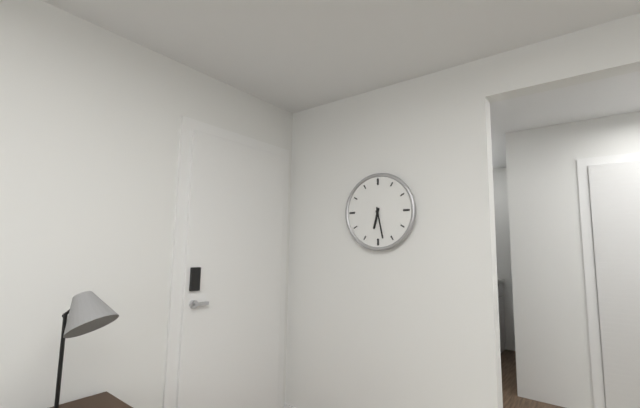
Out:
h=6 m=28
